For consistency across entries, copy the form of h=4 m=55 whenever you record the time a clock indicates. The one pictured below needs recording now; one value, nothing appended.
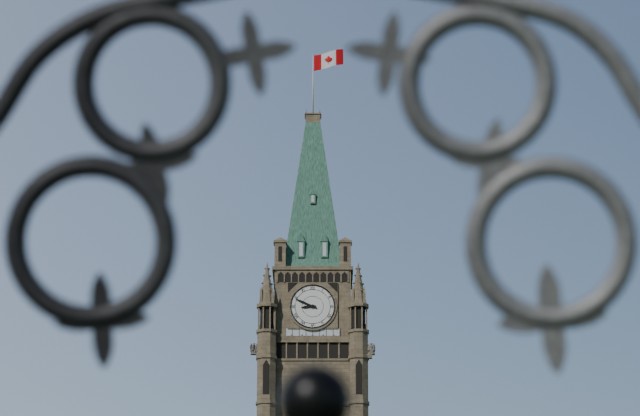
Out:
h=8 m=49
